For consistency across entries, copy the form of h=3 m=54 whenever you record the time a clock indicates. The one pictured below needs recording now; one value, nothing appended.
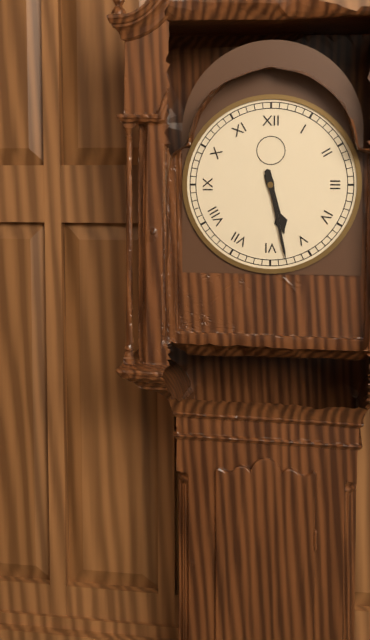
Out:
h=5 m=28
